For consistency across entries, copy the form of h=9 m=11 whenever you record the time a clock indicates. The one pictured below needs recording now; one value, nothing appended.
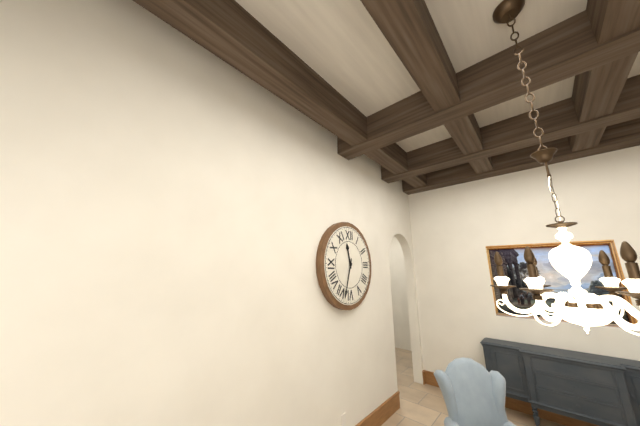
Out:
h=11 m=33
